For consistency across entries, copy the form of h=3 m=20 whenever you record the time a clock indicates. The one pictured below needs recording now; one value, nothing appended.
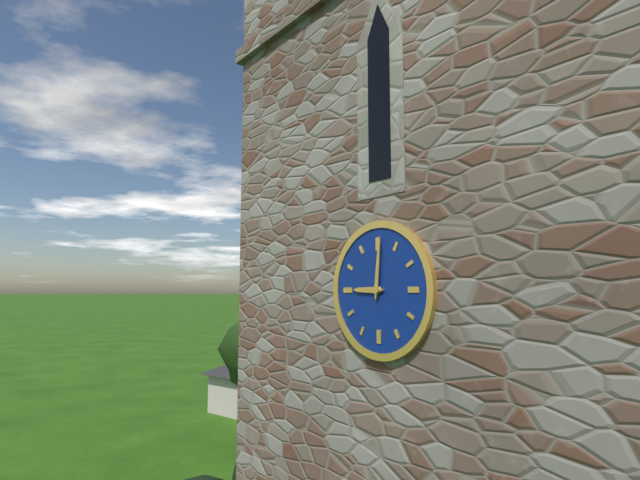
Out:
h=9 m=1
